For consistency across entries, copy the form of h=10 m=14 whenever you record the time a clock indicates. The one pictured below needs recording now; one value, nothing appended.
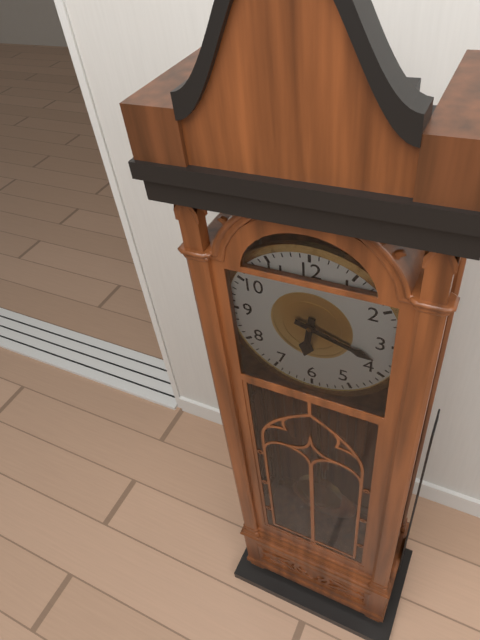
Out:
h=6 m=18
